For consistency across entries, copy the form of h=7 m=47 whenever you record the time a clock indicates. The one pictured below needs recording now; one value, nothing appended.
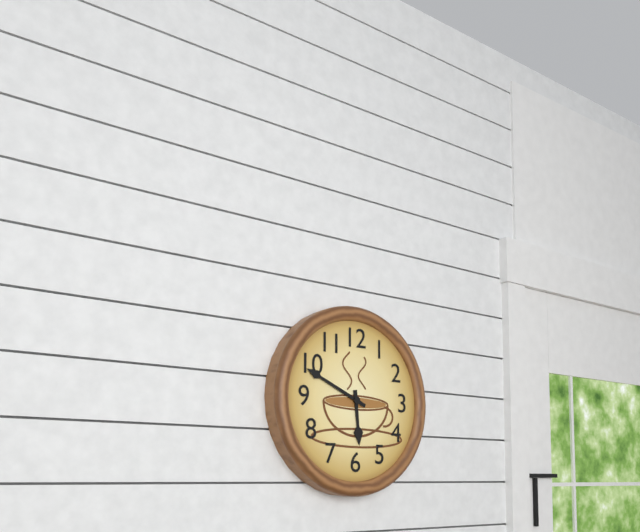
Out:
h=5 m=49
